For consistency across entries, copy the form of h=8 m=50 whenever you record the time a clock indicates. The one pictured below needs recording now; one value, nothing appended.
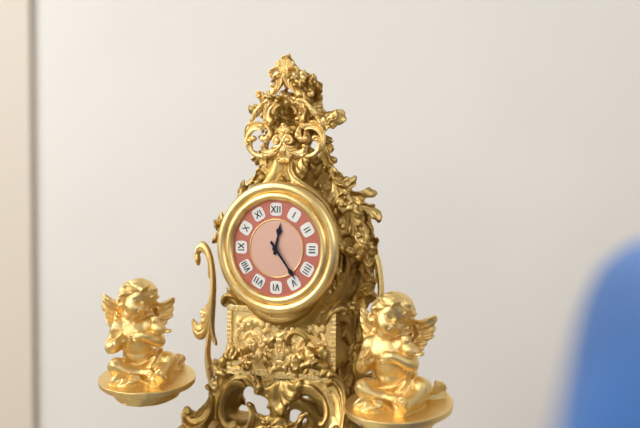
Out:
h=12 m=24
